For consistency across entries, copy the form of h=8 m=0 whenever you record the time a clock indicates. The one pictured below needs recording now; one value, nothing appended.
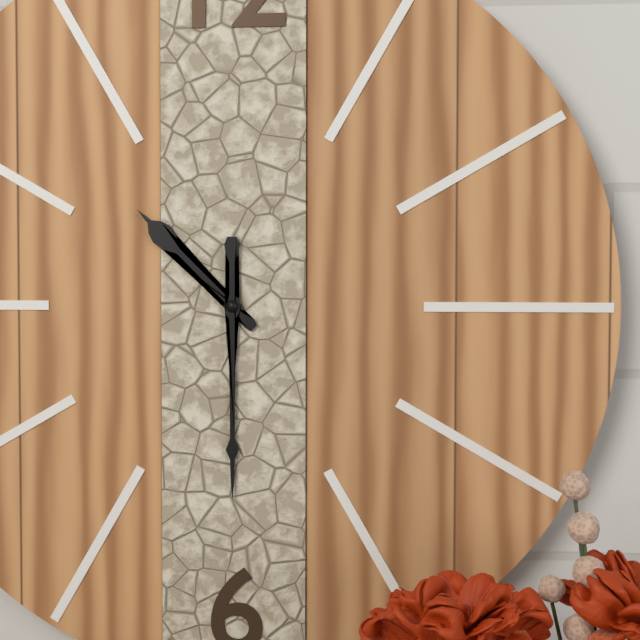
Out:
h=10 m=30
